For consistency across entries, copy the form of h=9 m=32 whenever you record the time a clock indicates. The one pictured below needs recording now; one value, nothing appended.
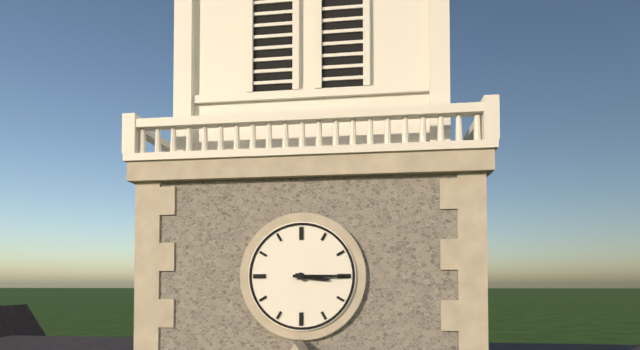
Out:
h=3 m=15
